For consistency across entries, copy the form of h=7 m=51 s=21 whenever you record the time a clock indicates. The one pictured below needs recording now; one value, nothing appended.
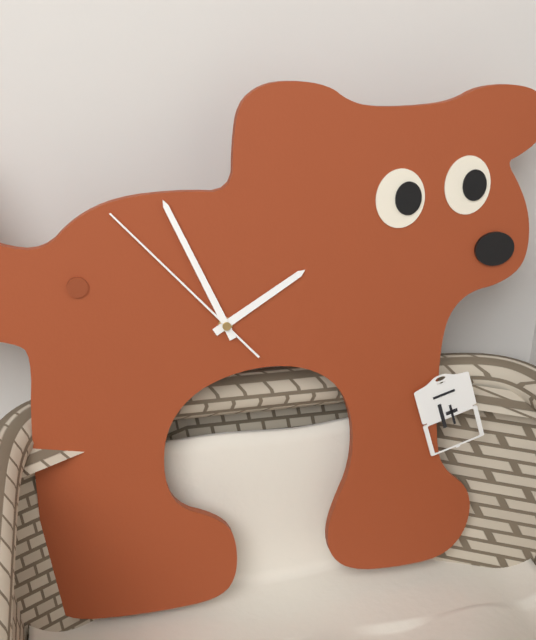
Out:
h=1 m=56 s=53
